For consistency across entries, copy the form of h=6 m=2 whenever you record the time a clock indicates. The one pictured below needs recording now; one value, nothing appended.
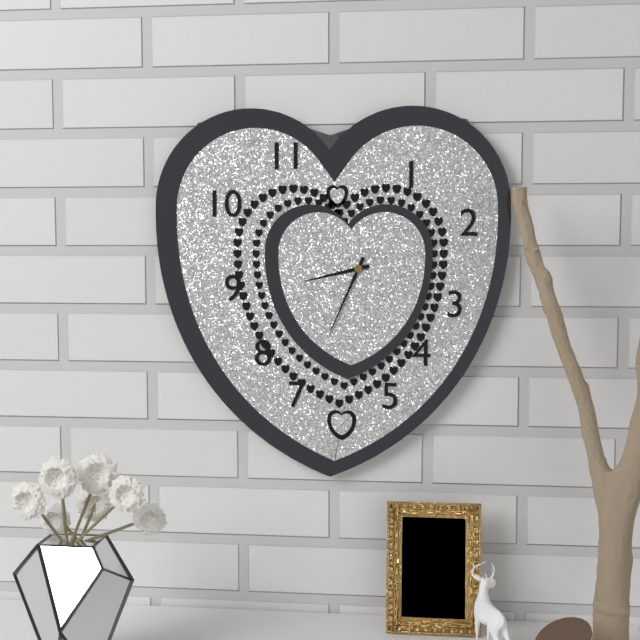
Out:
h=8 m=34
